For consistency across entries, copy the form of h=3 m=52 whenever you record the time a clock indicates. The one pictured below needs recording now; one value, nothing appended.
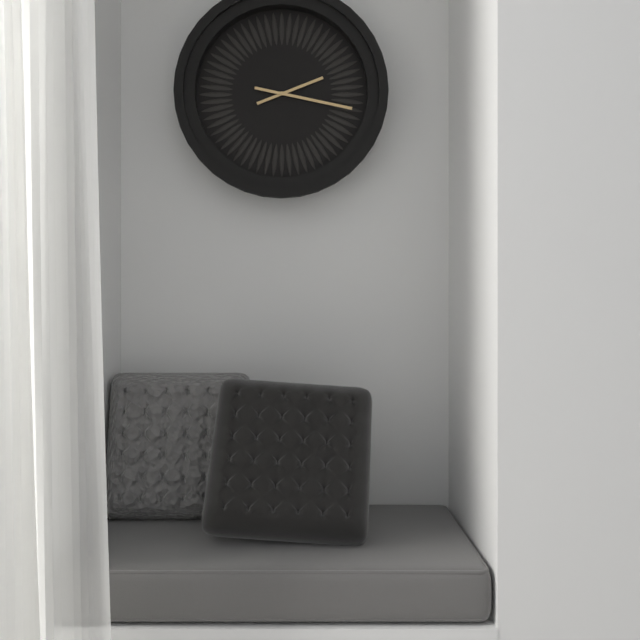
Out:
h=2 m=17
